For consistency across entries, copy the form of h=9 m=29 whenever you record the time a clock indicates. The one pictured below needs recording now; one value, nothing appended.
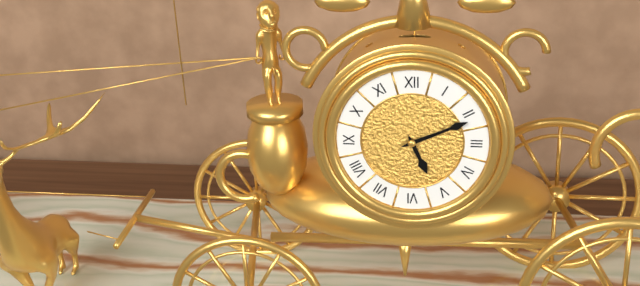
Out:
h=5 m=11
